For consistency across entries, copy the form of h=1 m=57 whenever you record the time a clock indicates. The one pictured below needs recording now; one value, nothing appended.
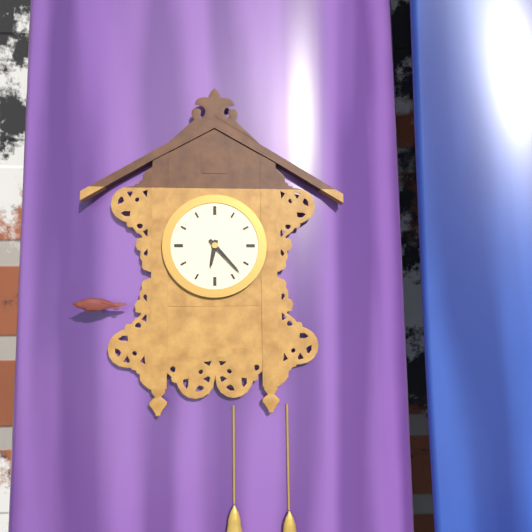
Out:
h=6 m=23
